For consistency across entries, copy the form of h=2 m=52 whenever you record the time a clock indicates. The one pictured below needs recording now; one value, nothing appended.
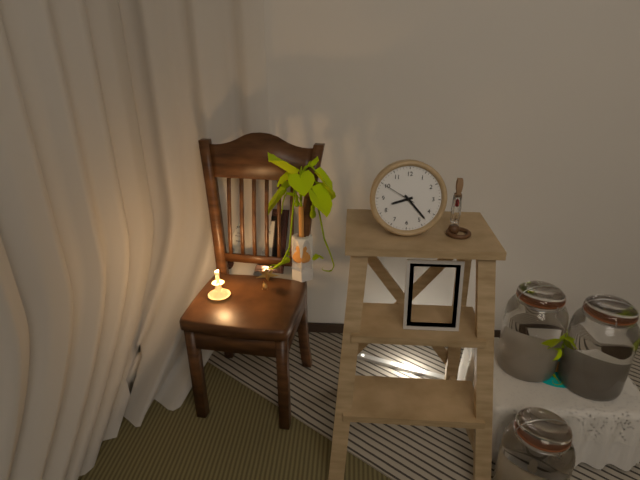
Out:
h=8 m=23
